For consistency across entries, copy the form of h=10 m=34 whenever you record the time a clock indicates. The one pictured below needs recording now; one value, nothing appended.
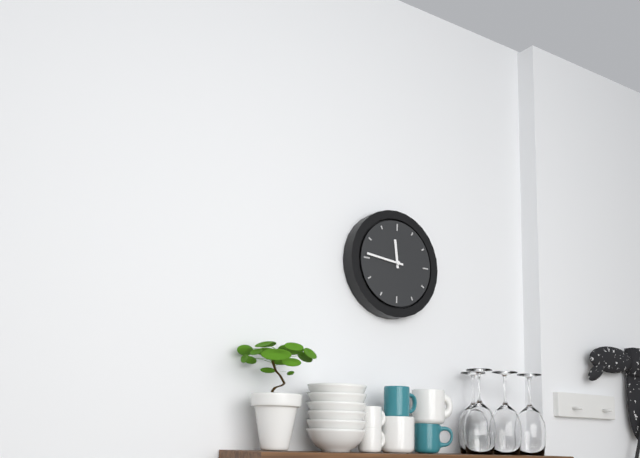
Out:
h=11 m=46
